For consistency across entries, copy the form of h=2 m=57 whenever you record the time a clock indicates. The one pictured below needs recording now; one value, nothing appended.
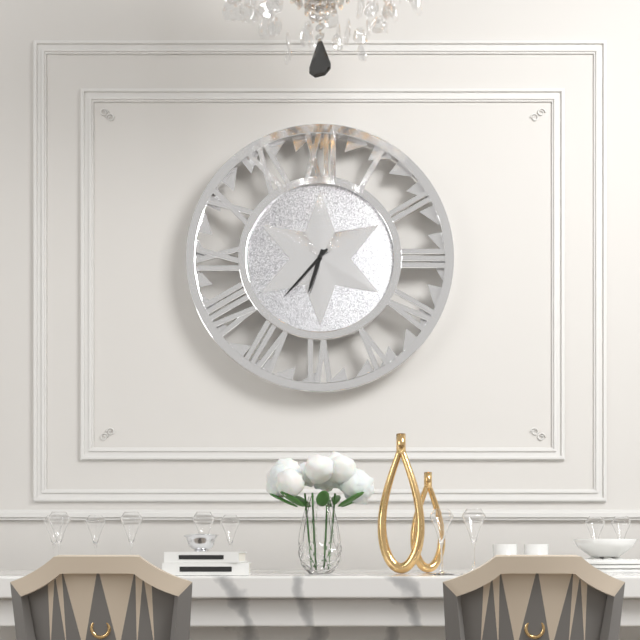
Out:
h=6 m=37
